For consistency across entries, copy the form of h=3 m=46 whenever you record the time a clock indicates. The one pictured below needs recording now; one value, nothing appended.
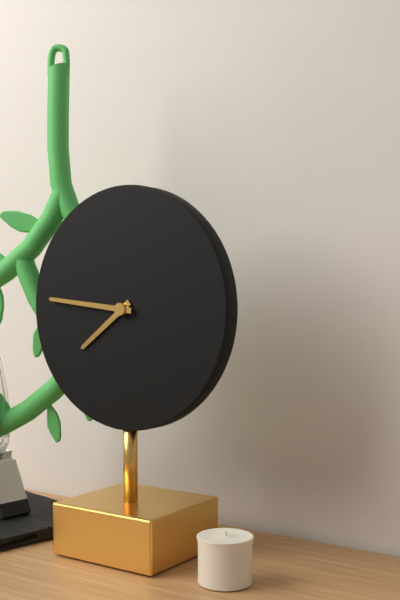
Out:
h=7 m=46
